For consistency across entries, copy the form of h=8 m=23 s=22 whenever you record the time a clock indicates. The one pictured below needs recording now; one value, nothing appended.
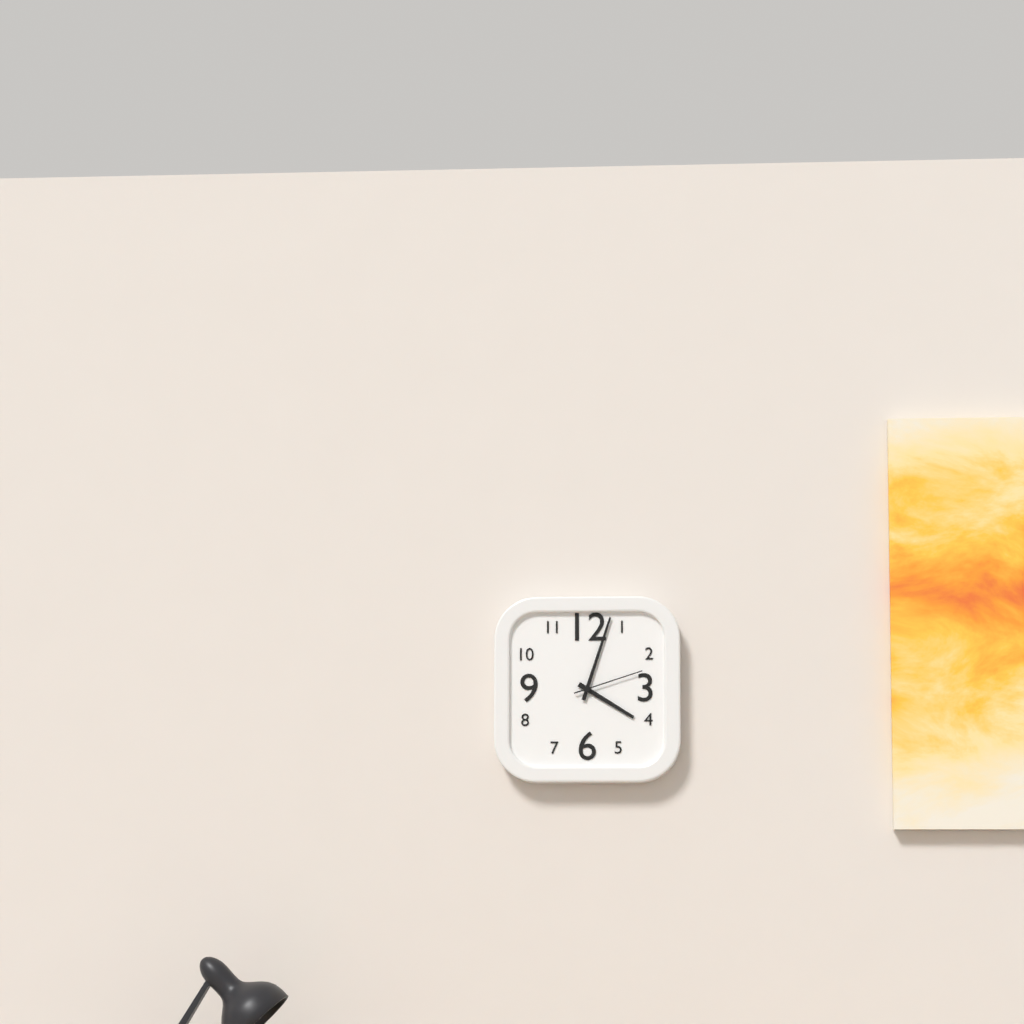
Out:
h=4 m=3 s=12
